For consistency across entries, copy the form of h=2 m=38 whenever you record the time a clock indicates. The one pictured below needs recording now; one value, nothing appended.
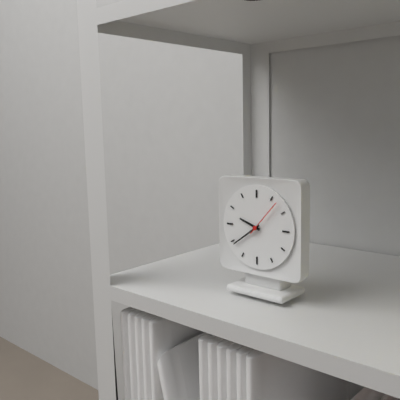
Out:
h=9 m=39
